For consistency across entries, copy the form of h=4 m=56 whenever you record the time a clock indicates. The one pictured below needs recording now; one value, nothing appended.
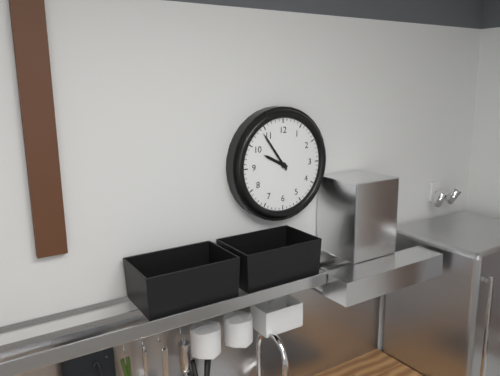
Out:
h=9 m=54
